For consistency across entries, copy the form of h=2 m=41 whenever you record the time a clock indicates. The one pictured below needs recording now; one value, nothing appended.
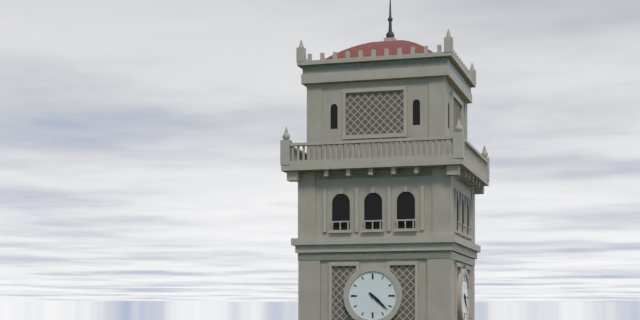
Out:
h=4 m=22
